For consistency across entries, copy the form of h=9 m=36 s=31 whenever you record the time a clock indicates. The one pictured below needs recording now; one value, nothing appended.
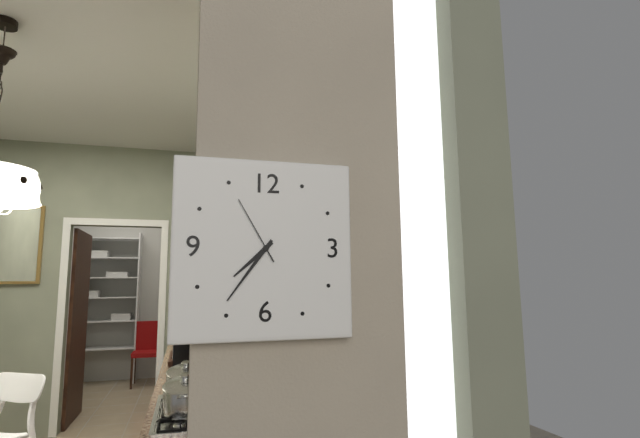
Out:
h=7 m=36 s=55
